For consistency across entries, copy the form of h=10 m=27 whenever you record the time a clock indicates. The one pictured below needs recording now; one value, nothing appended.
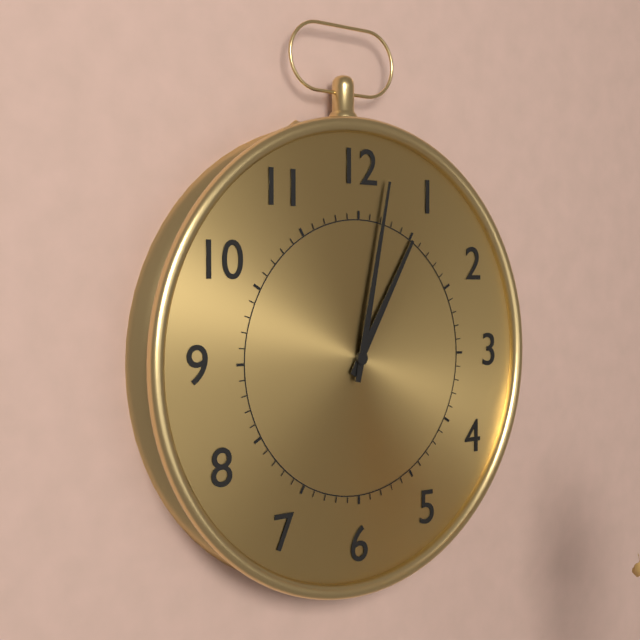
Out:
h=1 m=2
